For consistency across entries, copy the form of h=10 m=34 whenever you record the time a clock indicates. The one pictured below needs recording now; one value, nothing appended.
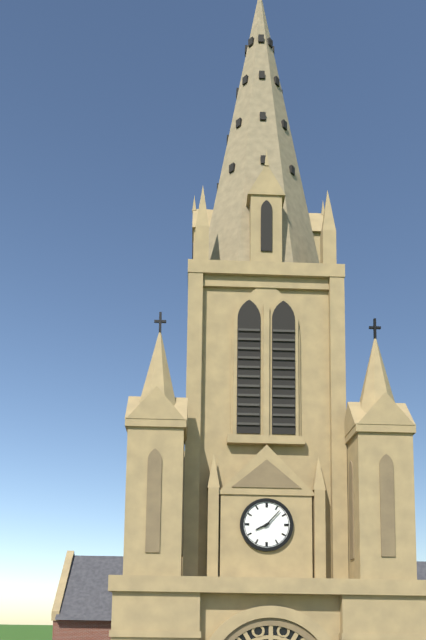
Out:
h=8 m=7
